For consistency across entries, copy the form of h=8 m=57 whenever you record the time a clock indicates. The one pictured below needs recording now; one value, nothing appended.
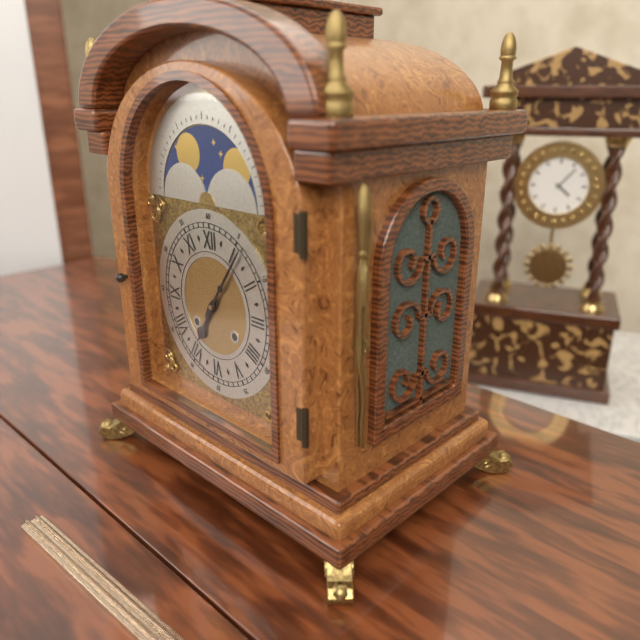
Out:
h=7 m=6
